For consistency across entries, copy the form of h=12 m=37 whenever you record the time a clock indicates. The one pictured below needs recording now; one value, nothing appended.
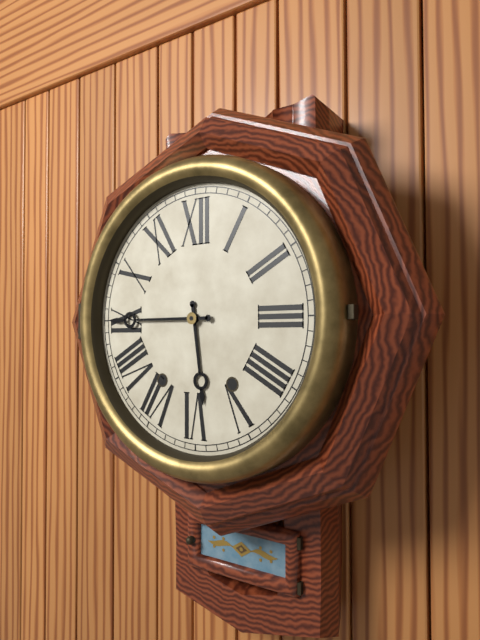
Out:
h=5 m=45
